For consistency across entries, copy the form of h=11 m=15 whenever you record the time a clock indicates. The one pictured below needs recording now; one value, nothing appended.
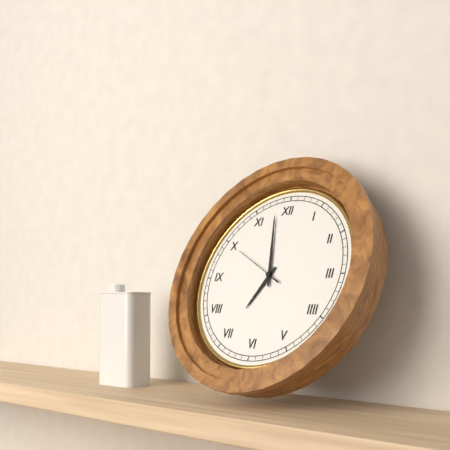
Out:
h=6 m=58
